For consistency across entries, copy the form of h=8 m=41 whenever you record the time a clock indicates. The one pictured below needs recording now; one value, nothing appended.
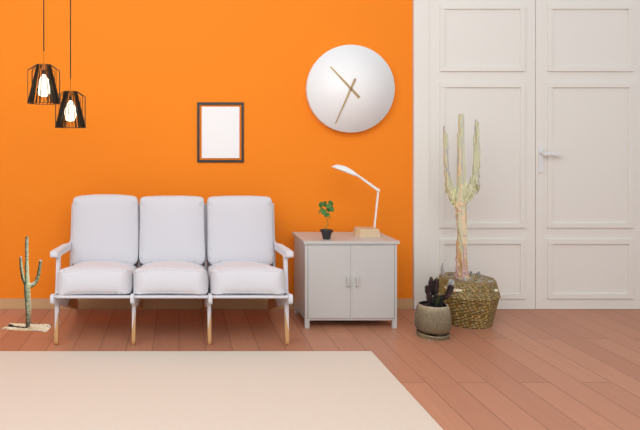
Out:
h=10 m=34
